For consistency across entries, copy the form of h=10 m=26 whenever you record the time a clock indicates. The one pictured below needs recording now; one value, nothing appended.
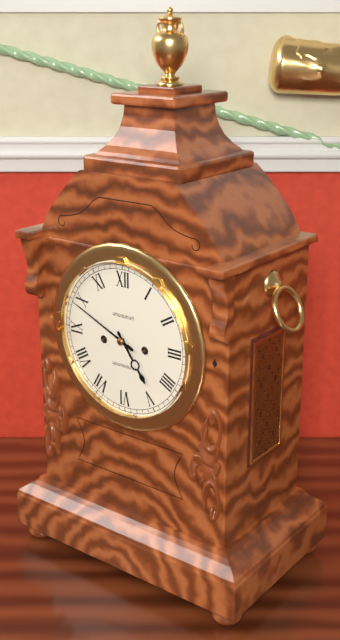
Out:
h=4 m=49
